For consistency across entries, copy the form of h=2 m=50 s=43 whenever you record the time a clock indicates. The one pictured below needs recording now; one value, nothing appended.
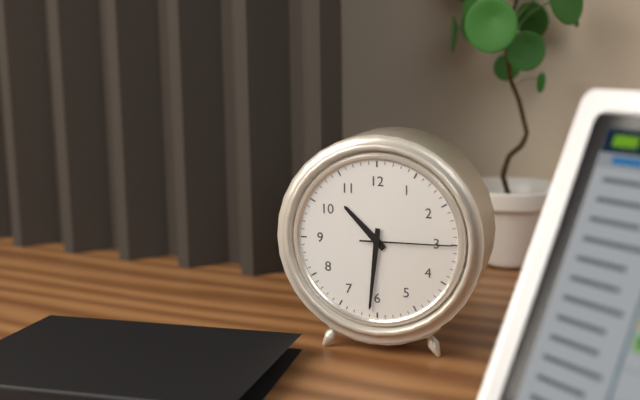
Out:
h=10 m=31 s=15
